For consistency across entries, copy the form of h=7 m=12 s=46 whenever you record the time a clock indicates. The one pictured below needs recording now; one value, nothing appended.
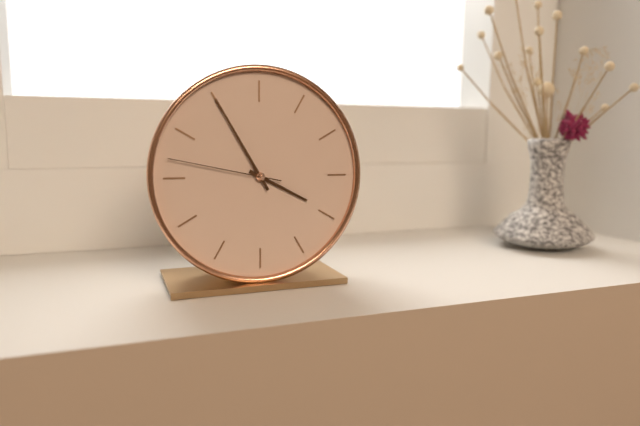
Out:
h=3 m=55 s=47
